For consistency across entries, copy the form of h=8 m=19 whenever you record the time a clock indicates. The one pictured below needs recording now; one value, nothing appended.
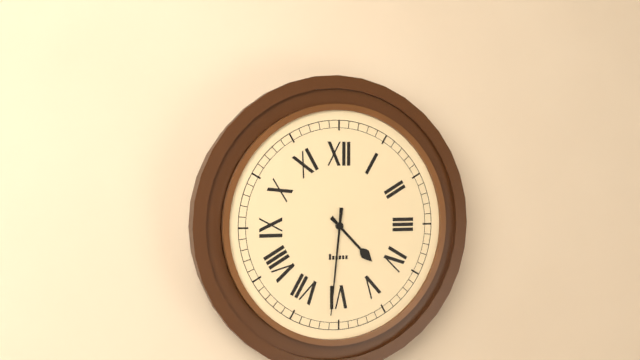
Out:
h=4 m=31
